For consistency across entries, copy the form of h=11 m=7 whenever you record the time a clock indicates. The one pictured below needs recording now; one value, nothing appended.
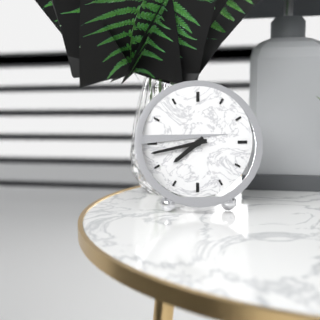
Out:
h=7 m=43
